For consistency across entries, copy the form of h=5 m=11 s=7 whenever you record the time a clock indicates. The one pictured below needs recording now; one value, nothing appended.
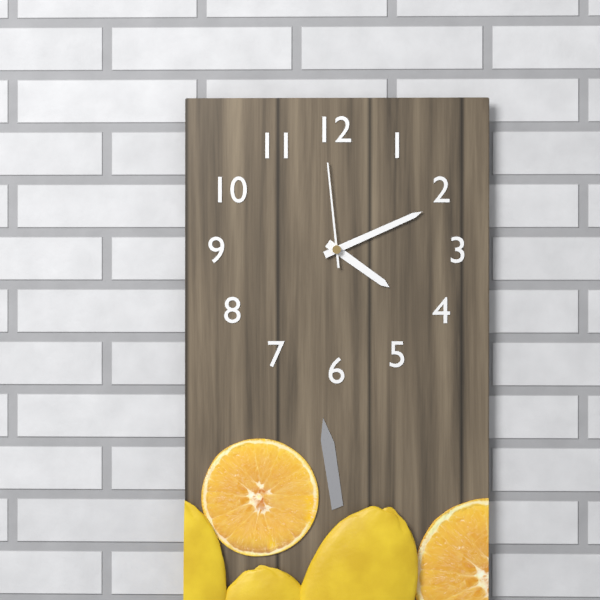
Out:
h=4 m=11 s=59
